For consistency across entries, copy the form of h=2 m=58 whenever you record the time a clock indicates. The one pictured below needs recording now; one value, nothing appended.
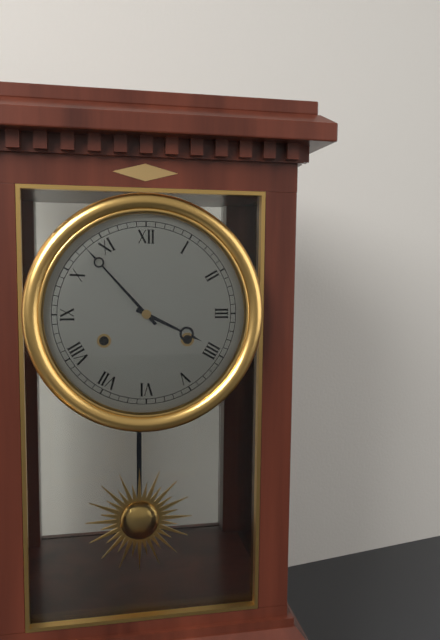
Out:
h=3 m=53
